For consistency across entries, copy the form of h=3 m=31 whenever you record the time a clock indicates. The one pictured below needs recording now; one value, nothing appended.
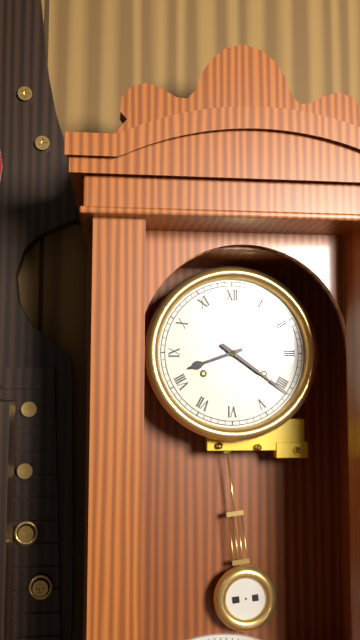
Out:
h=8 m=21
